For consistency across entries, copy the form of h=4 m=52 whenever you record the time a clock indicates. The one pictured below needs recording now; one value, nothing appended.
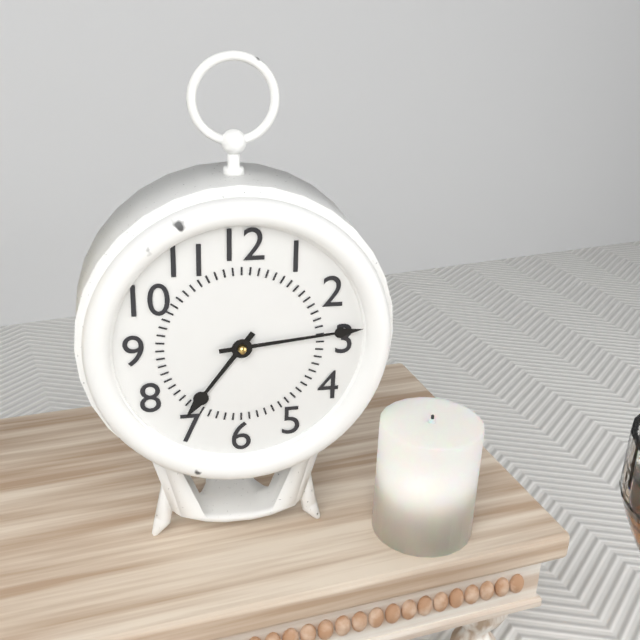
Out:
h=7 m=14
